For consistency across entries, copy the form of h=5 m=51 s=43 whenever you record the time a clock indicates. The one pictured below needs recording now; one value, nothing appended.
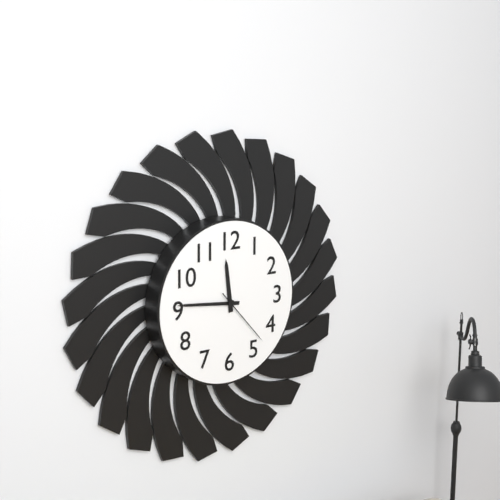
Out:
h=11 m=46 s=23
